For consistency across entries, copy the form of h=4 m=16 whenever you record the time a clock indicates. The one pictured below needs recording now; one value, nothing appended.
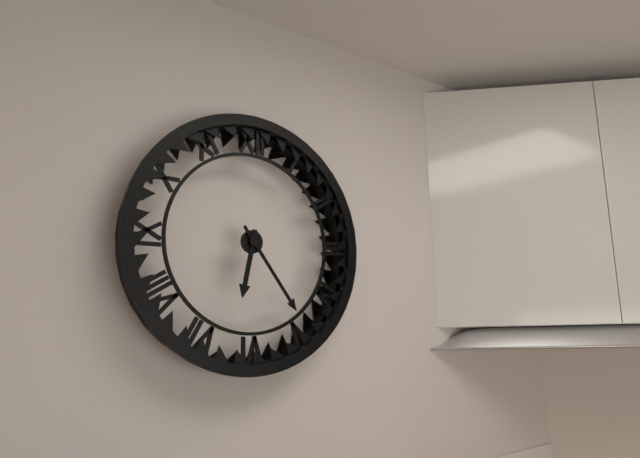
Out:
h=6 m=24
